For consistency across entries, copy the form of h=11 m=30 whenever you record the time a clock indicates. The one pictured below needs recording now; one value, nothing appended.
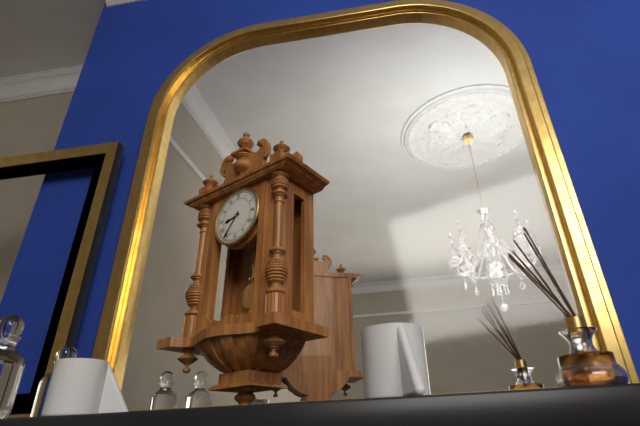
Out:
h=8 m=36
